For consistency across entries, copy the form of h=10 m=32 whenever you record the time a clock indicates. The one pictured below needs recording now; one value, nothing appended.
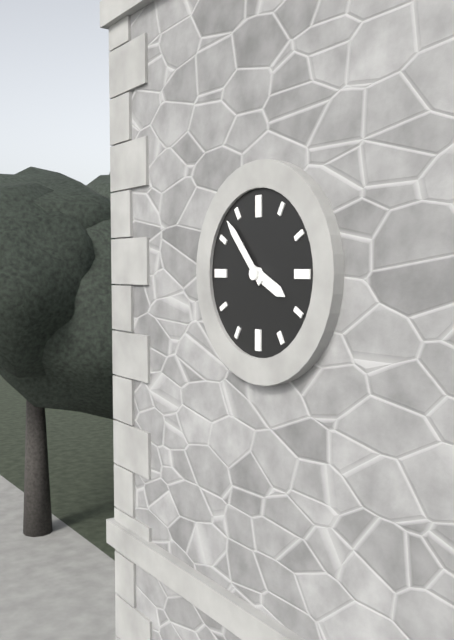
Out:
h=3 m=53
